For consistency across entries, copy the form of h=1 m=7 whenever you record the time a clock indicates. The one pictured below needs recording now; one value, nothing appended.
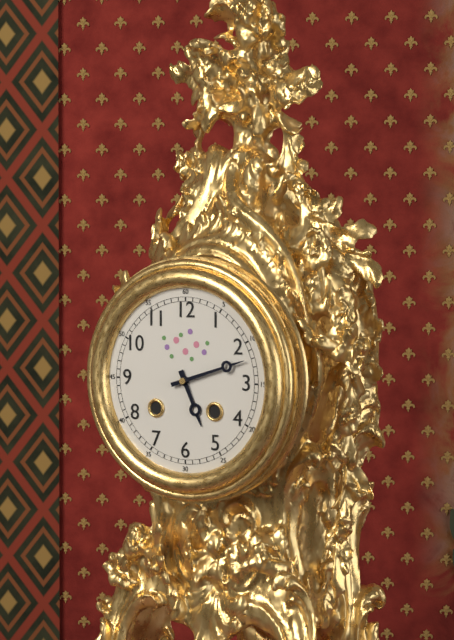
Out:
h=5 m=12
